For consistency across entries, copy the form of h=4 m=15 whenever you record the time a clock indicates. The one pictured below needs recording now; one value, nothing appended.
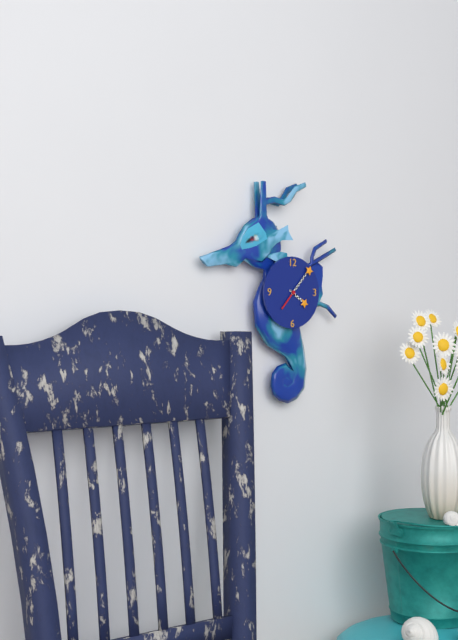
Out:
h=4 m=7
